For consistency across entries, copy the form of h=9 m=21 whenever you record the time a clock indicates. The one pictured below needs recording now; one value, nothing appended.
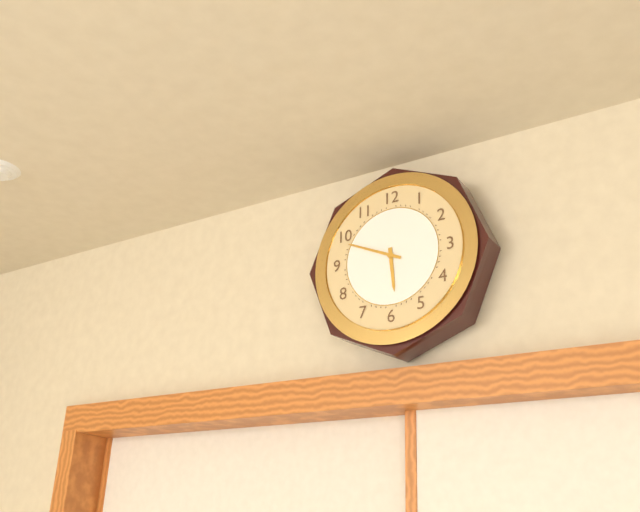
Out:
h=5 m=49
